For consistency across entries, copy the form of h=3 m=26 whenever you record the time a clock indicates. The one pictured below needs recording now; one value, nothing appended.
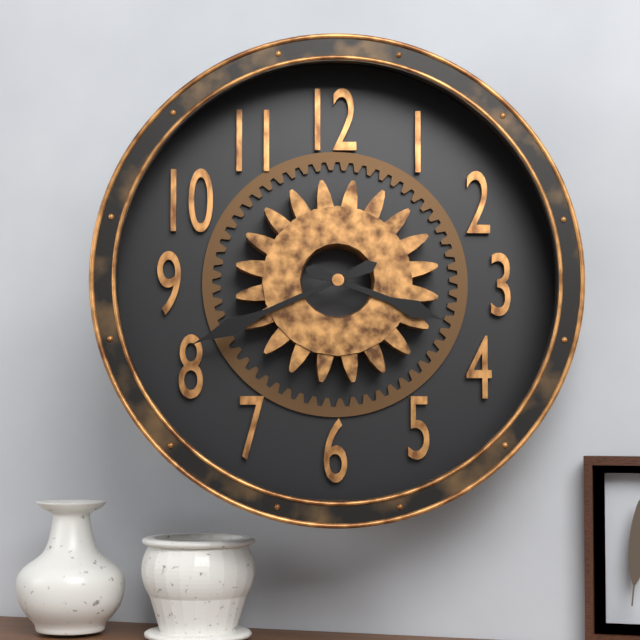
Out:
h=3 m=41
